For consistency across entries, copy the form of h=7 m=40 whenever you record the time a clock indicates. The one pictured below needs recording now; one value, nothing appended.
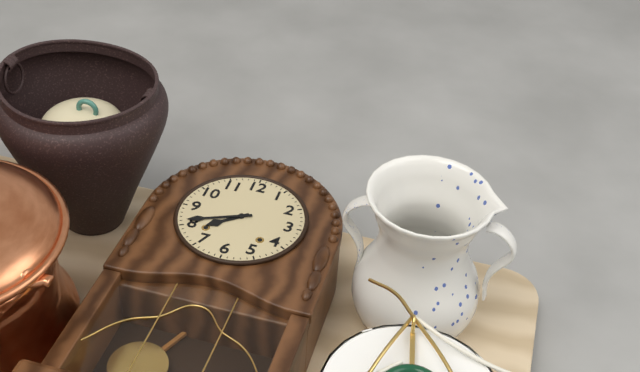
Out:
h=7 m=41
